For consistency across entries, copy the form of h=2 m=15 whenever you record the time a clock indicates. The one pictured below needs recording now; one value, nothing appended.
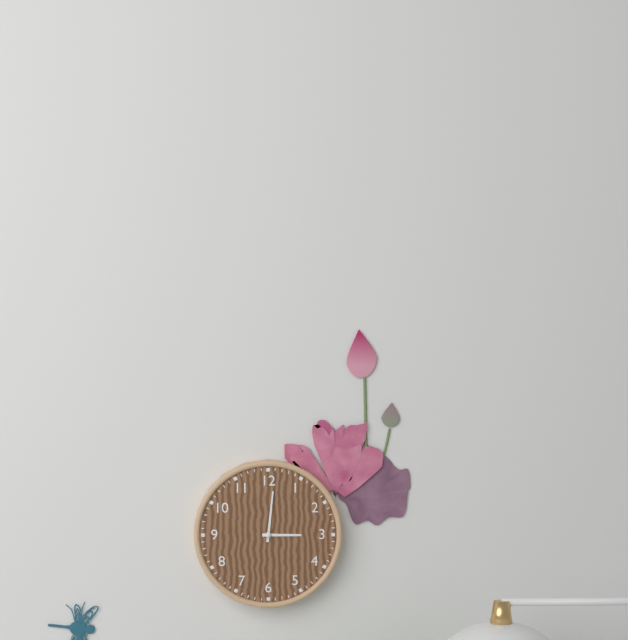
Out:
h=3 m=1
